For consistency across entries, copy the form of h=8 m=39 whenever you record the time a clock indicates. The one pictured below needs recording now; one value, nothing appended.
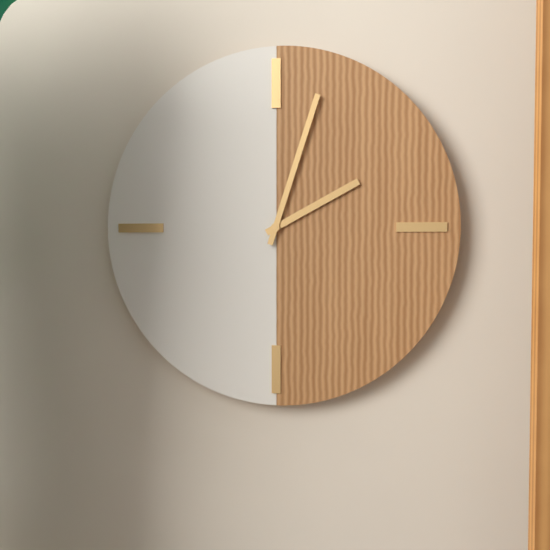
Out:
h=2 m=3
